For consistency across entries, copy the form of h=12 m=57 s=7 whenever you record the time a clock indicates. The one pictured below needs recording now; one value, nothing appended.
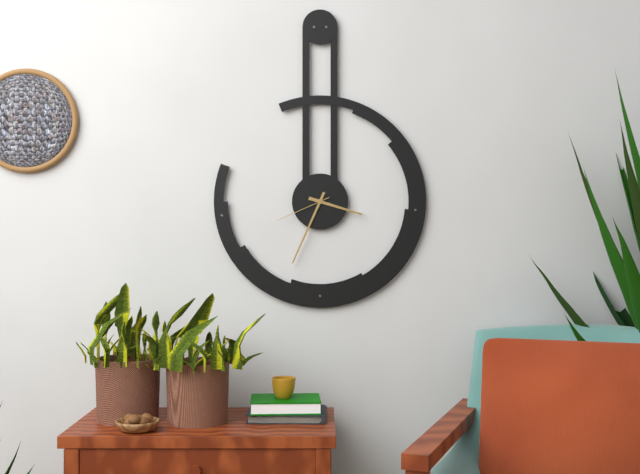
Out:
h=3 m=34 s=41
